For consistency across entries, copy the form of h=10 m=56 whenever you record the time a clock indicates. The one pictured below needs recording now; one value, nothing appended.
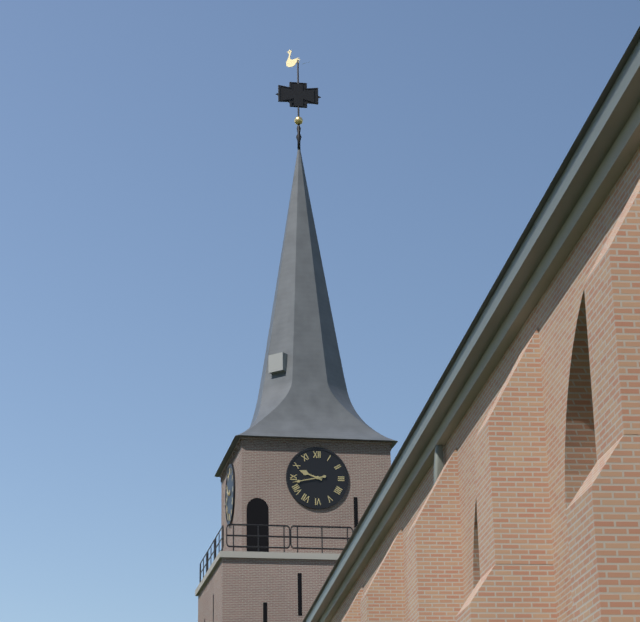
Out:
h=9 m=43
